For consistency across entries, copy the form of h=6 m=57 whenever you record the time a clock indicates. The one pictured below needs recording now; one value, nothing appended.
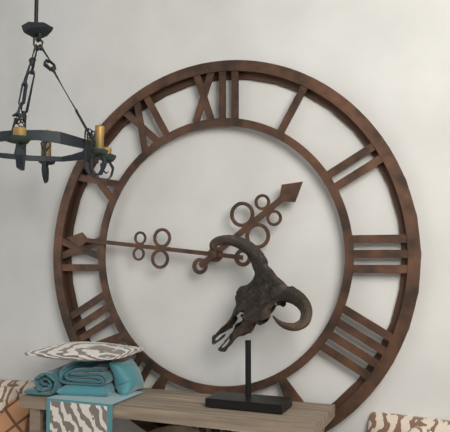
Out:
h=1 m=46
